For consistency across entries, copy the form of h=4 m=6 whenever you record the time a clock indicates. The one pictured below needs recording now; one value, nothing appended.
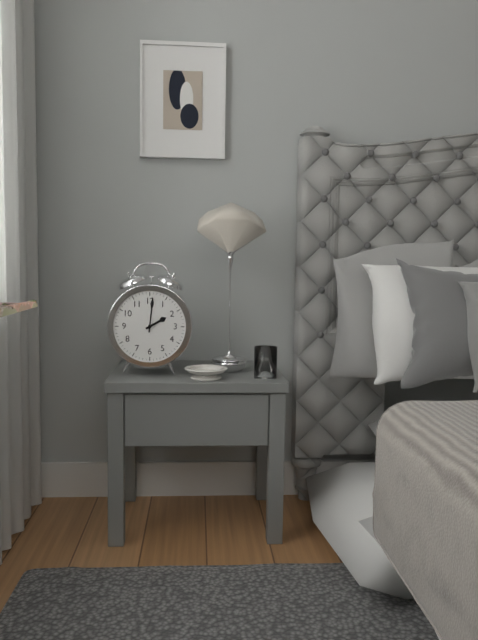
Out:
h=2 m=1
